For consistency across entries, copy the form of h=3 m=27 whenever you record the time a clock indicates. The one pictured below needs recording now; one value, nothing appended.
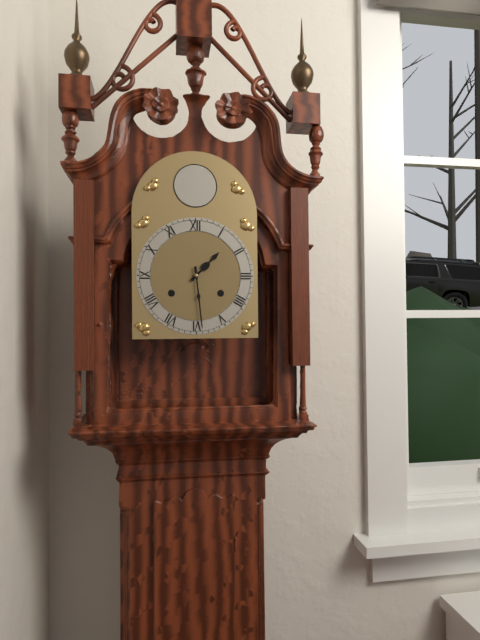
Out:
h=1 m=29
